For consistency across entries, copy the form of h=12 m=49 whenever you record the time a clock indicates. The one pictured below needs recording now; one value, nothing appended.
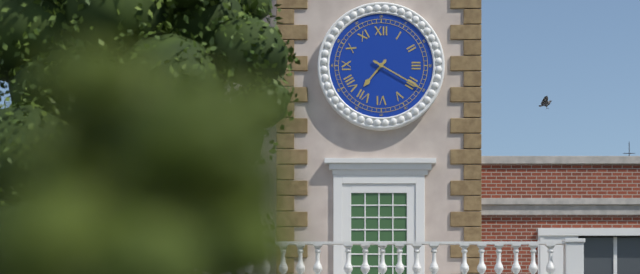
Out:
h=7 m=20
